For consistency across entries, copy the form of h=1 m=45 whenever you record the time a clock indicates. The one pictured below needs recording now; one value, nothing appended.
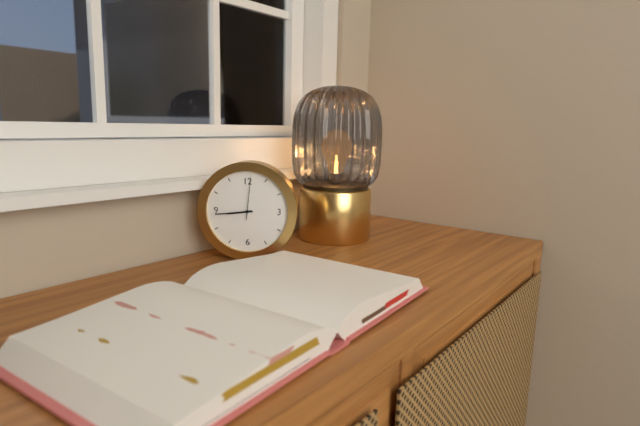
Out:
h=8 m=44
